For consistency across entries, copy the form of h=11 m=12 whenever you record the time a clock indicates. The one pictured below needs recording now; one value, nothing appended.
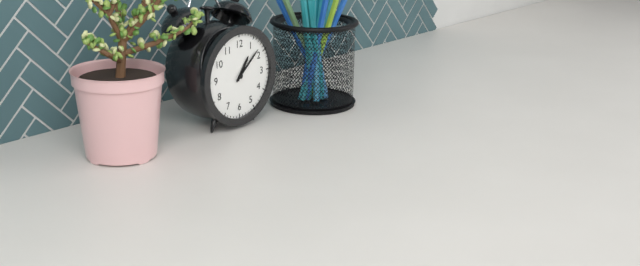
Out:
h=1 m=8
